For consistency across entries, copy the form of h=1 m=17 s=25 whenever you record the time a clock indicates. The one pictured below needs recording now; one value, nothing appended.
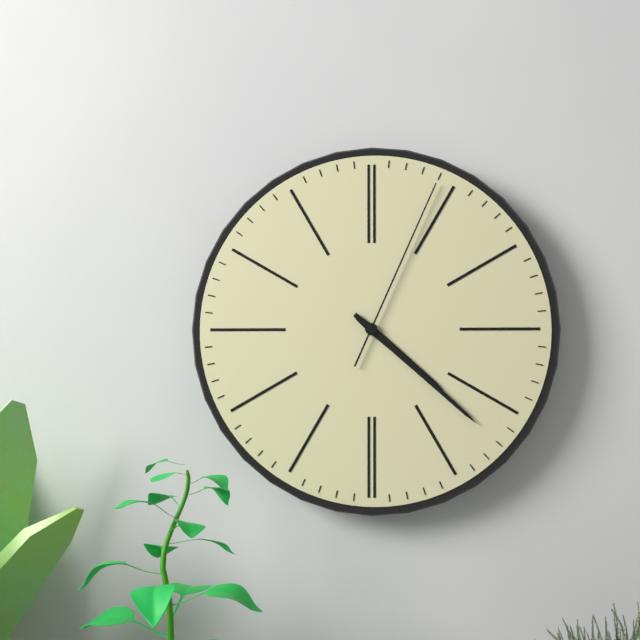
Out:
h=4 m=22 s=4
